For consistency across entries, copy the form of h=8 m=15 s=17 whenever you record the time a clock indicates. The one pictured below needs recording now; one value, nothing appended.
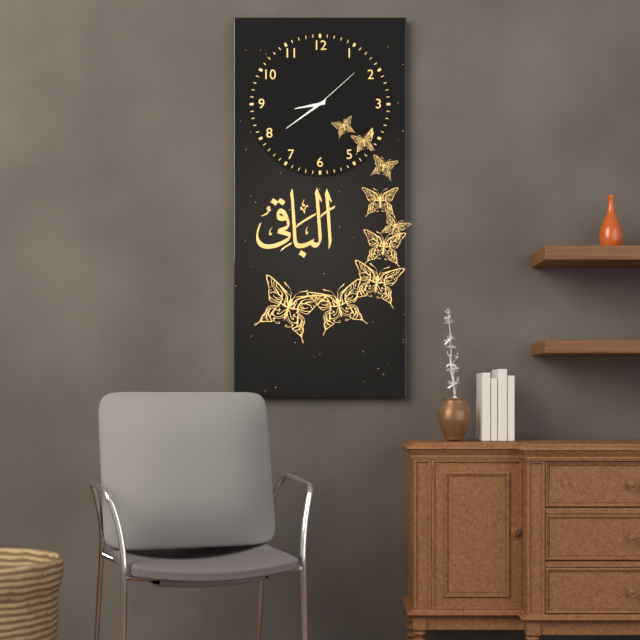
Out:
h=8 m=39 s=8
